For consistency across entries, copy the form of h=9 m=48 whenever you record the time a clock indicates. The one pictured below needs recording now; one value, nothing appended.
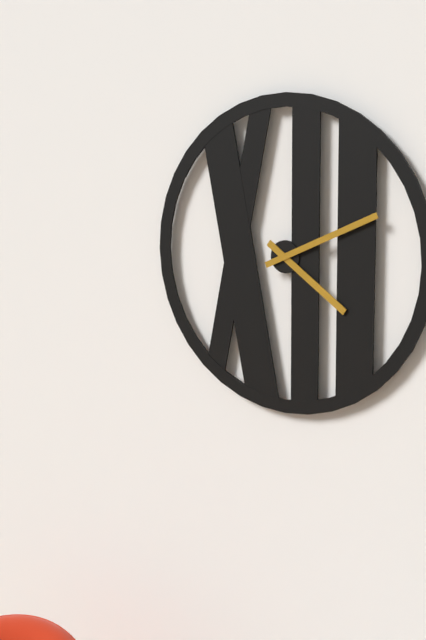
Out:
h=4 m=11
